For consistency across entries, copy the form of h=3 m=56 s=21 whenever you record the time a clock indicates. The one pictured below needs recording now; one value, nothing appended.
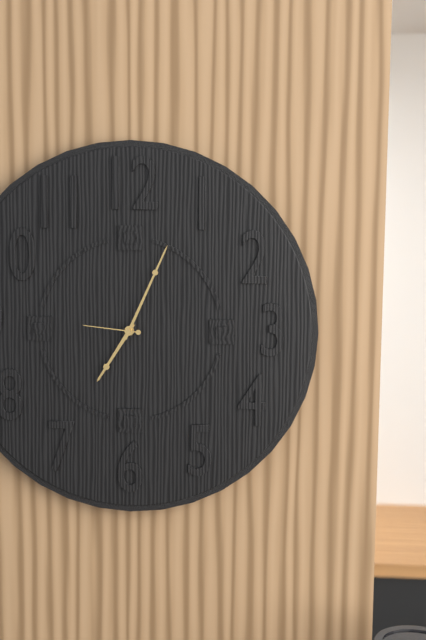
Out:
h=7 m=4 s=46
